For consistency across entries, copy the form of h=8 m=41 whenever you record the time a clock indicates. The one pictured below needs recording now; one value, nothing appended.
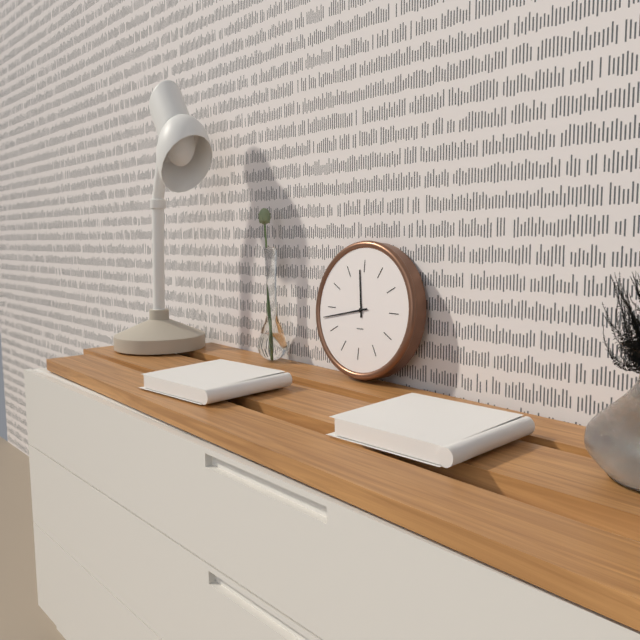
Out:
h=11 m=43
